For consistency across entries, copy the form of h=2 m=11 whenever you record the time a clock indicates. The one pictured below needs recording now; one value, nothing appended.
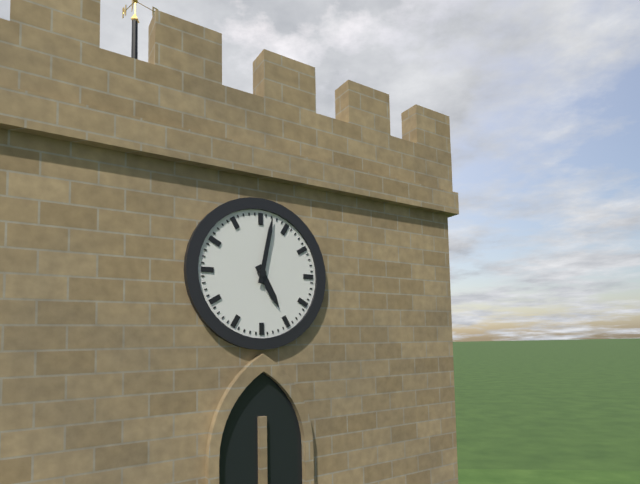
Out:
h=5 m=2
